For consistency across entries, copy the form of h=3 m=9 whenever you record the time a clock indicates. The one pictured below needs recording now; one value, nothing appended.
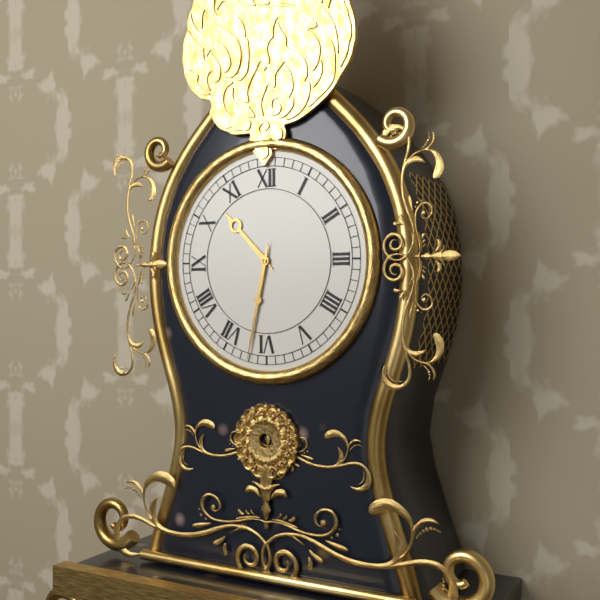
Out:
h=10 m=32
